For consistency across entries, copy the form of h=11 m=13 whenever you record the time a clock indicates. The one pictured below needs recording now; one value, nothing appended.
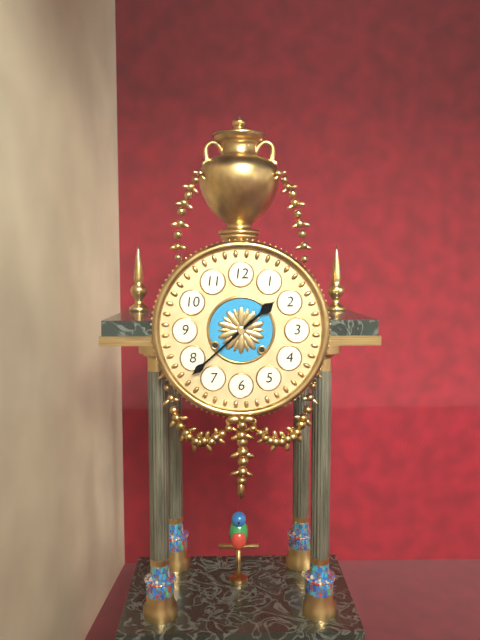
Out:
h=1 m=38
